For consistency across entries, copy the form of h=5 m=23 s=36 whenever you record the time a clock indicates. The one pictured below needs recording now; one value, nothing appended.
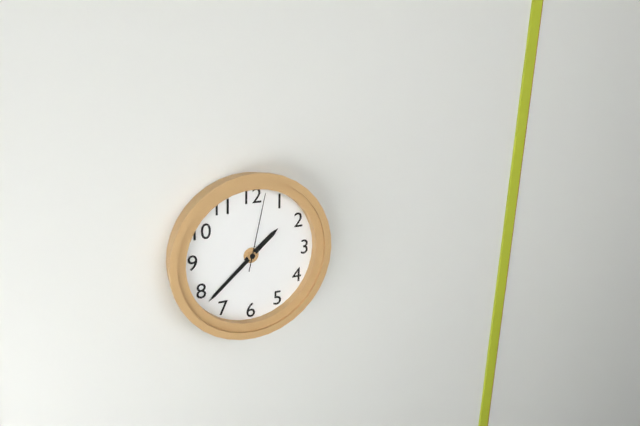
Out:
h=1 m=38 s=2
